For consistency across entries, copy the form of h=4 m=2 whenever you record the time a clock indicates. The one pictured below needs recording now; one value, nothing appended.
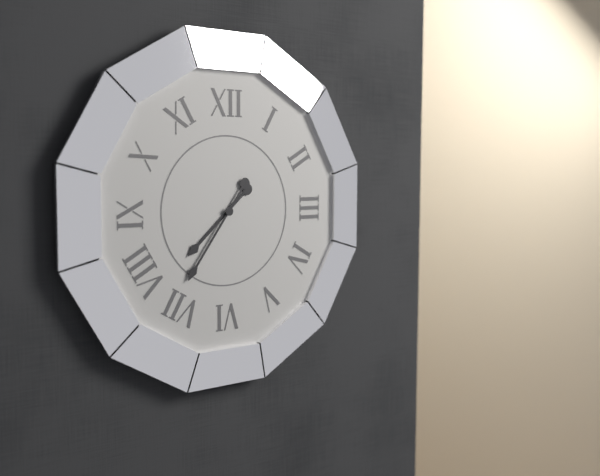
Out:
h=7 m=36
